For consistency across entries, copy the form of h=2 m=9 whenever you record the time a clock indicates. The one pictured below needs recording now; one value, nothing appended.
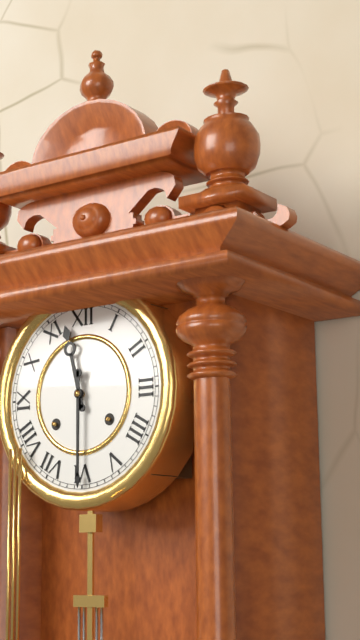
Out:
h=11 m=30
